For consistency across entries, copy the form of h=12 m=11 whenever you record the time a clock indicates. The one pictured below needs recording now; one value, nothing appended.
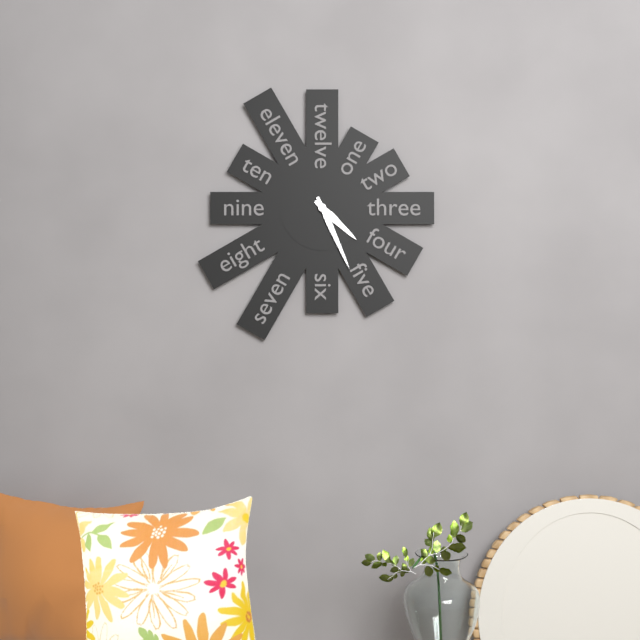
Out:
h=4 m=26
